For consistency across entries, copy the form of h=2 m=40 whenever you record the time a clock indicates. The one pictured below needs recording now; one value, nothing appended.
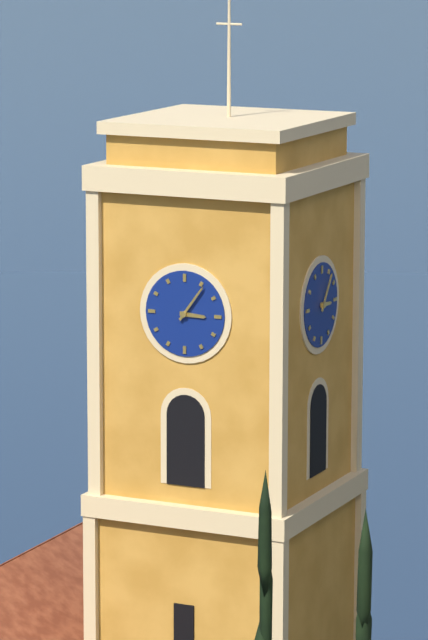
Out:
h=3 m=6
